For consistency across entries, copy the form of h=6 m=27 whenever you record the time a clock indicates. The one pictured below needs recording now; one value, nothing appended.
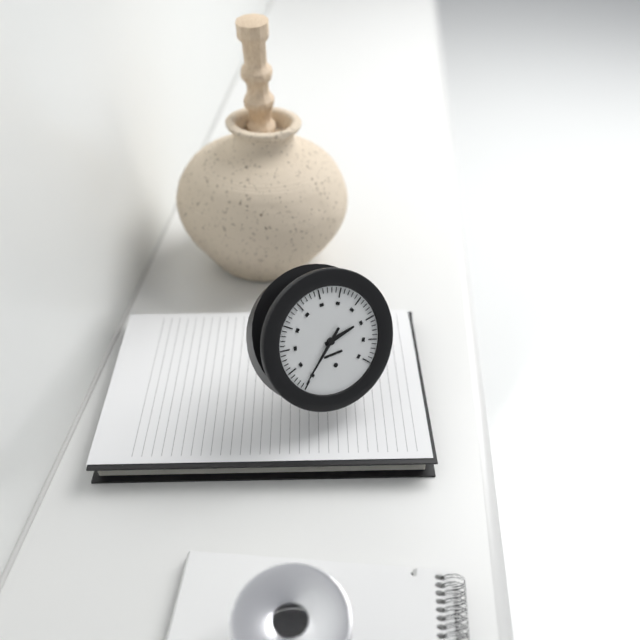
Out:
h=2 m=38
